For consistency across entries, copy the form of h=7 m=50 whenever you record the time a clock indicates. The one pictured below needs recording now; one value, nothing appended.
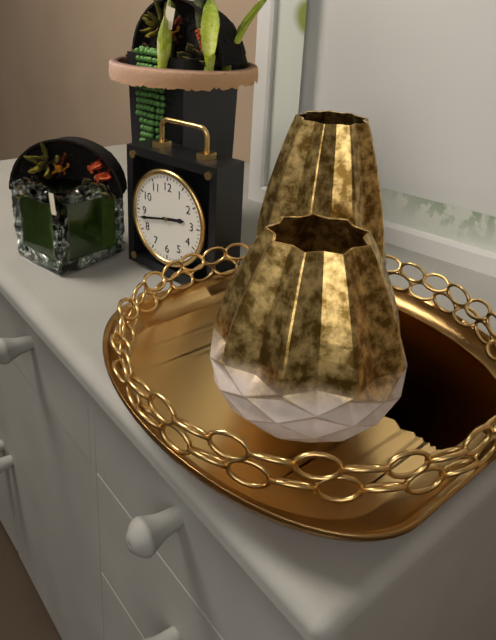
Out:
h=2 m=43
